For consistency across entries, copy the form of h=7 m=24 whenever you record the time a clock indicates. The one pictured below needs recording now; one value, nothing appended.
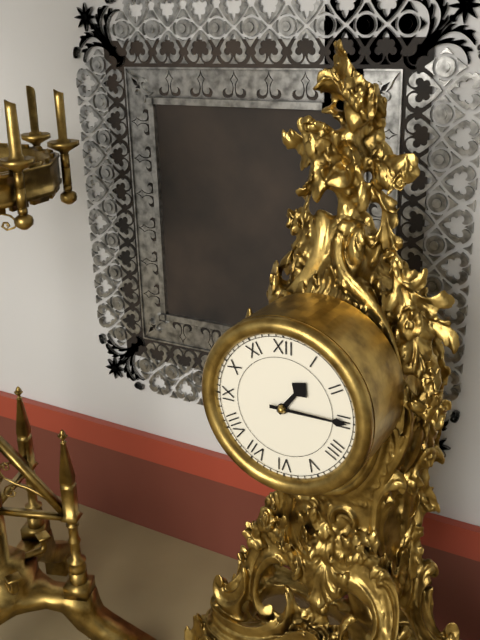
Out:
h=1 m=15
